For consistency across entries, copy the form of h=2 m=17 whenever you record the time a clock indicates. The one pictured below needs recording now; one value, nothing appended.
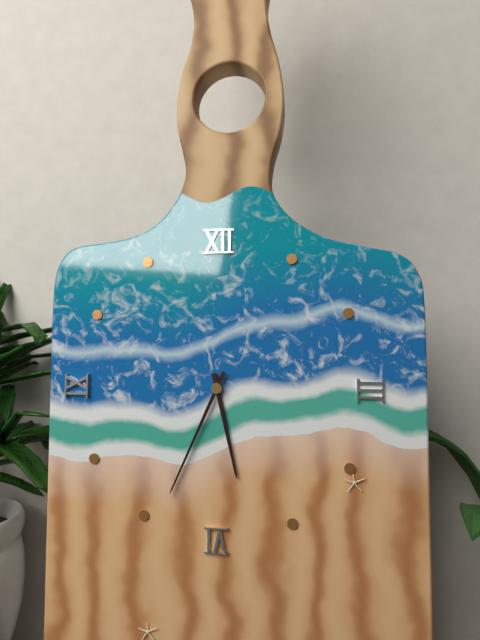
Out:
h=5 m=34
